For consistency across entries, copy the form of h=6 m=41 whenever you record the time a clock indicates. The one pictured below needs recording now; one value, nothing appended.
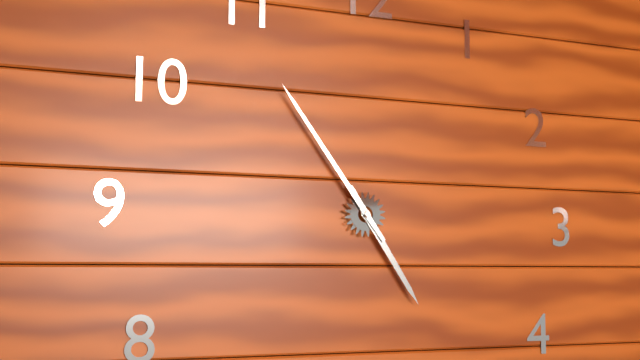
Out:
h=4 m=54
